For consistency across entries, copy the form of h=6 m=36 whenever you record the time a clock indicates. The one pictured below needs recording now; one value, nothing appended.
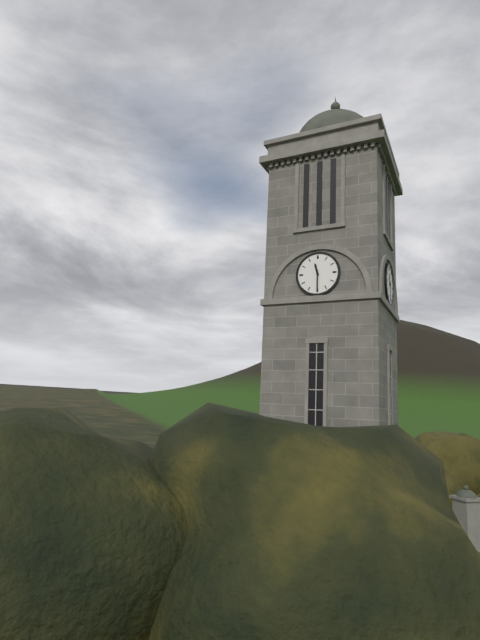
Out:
h=11 m=30
